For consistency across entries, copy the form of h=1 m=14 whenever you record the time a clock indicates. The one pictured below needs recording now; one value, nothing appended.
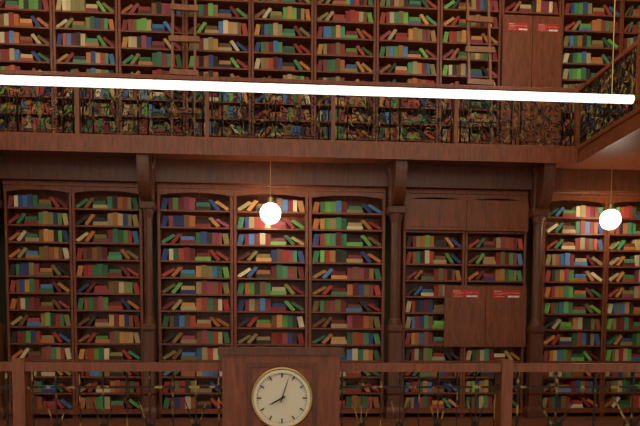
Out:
h=8 m=3
